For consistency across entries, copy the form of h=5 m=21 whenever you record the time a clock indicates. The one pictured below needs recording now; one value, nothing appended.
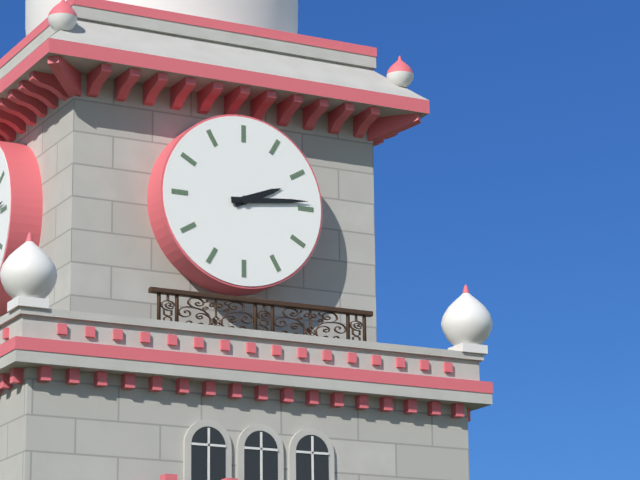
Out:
h=2 m=14
